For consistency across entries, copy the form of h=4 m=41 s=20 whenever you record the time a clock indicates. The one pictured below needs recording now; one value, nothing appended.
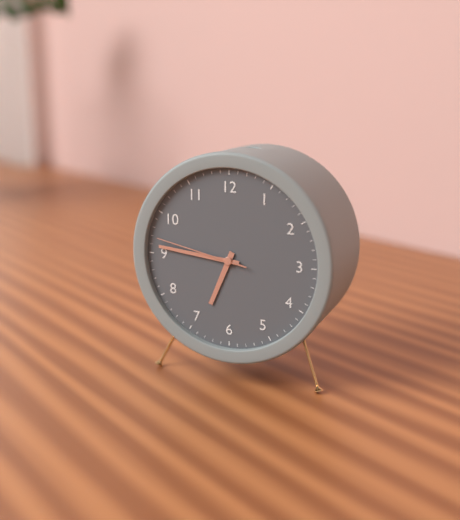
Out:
h=6 m=46 s=47
